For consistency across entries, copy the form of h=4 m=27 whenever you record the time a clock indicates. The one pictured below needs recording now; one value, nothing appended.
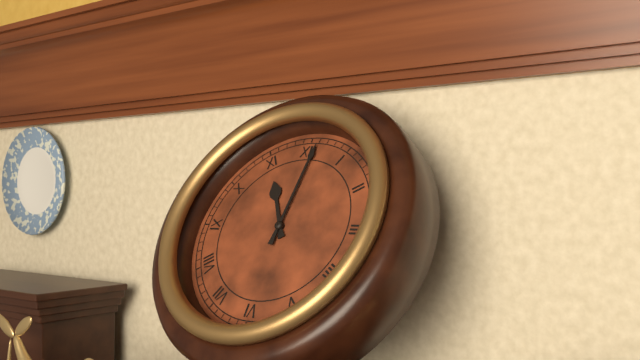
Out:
h=11 m=1
